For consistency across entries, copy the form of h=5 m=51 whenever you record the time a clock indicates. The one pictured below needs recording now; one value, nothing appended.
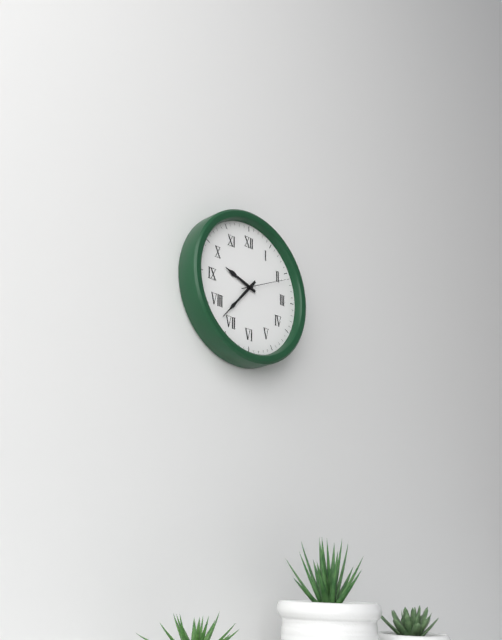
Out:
h=9 m=37
